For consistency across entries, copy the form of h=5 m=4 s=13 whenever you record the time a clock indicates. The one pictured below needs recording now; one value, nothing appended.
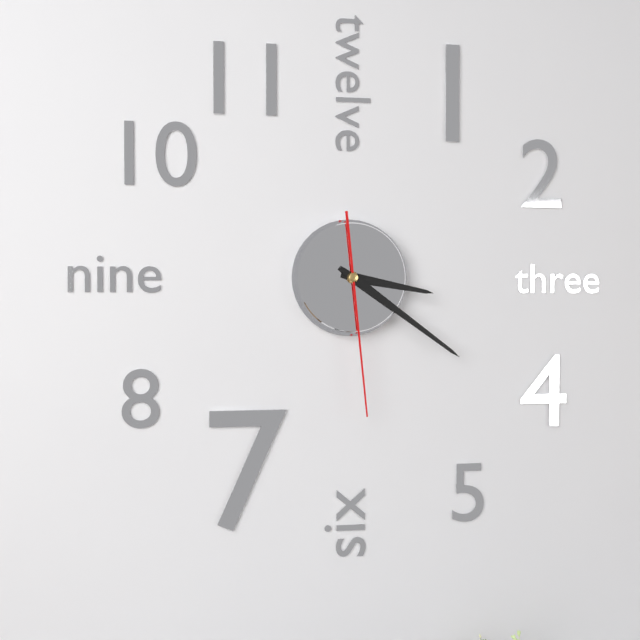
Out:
h=3 m=21 s=29
